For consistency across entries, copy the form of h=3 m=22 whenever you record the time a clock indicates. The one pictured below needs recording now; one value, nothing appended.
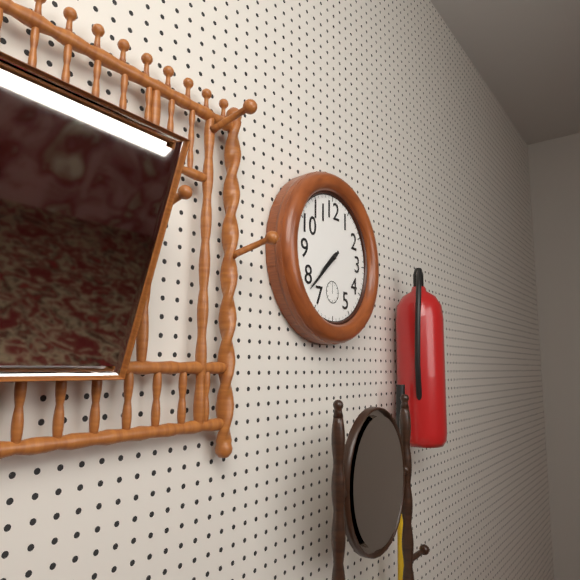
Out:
h=7 m=38
